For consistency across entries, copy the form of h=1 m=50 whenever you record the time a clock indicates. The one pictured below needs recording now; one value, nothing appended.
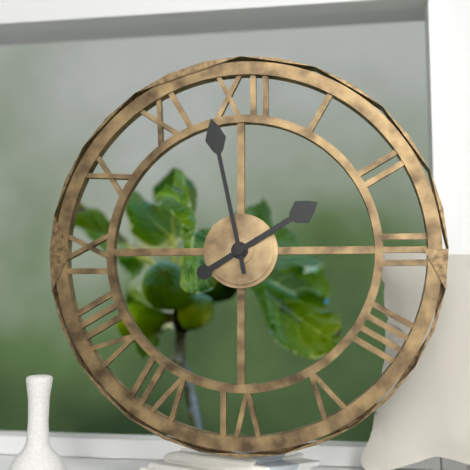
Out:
h=1 m=58
